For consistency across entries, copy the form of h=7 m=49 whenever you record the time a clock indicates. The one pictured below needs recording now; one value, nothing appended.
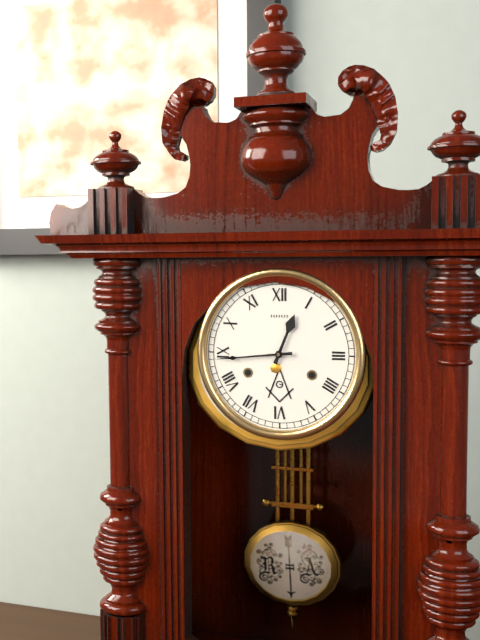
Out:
h=12 m=44
